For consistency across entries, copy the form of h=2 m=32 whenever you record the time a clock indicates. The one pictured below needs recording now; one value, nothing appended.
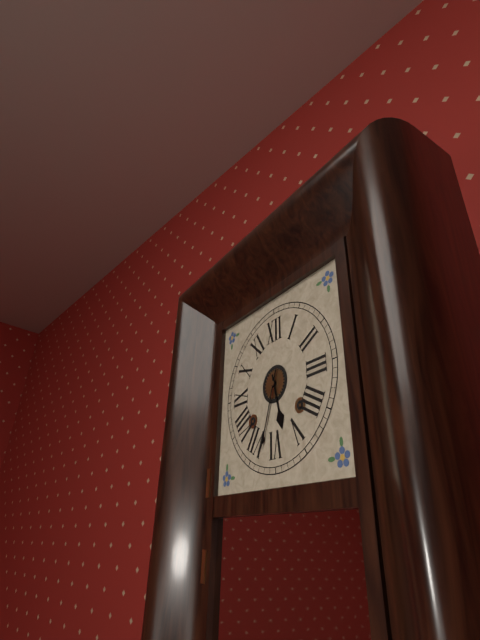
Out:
h=5 m=33
